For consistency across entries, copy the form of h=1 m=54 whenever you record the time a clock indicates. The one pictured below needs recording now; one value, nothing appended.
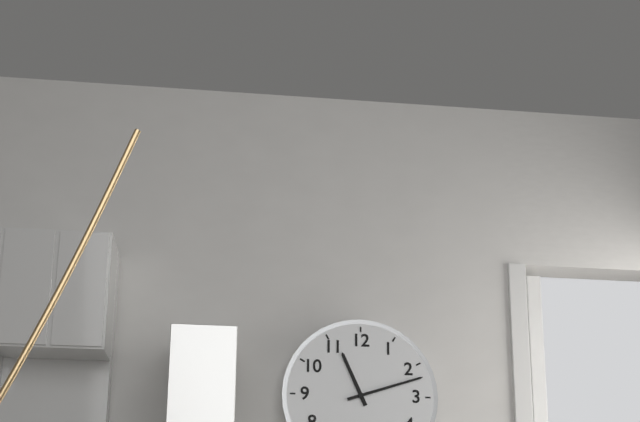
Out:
h=11 m=12
